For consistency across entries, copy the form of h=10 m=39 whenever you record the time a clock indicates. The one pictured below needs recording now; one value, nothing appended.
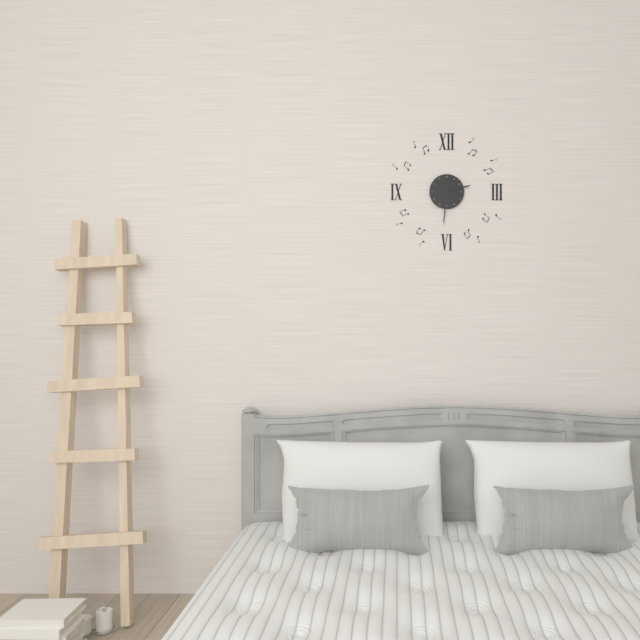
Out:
h=2 m=31
